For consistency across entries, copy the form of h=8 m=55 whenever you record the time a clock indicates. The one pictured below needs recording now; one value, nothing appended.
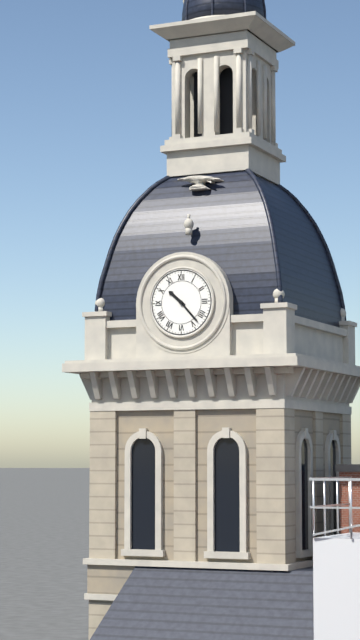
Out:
h=10 m=23
